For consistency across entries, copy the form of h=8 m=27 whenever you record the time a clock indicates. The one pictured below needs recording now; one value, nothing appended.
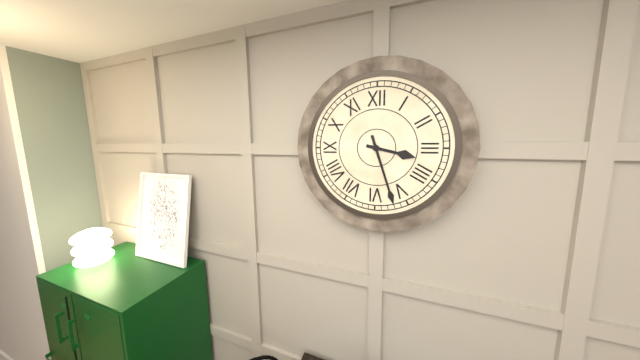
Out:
h=3 m=27
